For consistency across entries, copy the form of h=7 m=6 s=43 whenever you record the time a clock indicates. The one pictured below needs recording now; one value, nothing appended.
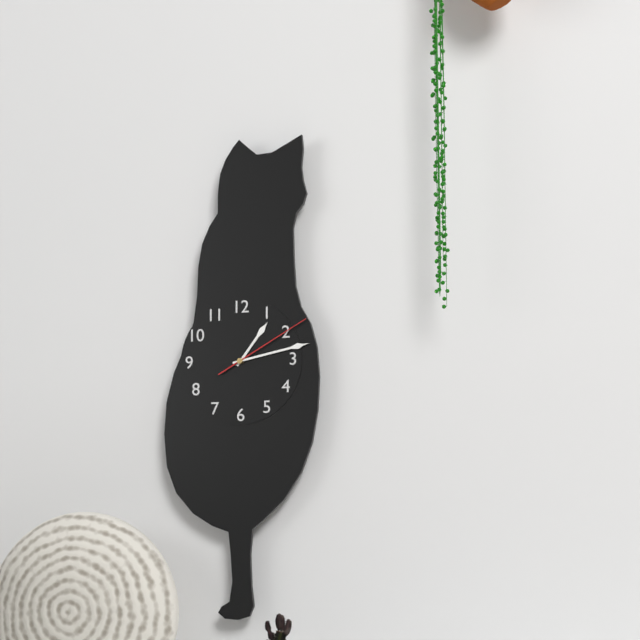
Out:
h=1 m=13 s=10
